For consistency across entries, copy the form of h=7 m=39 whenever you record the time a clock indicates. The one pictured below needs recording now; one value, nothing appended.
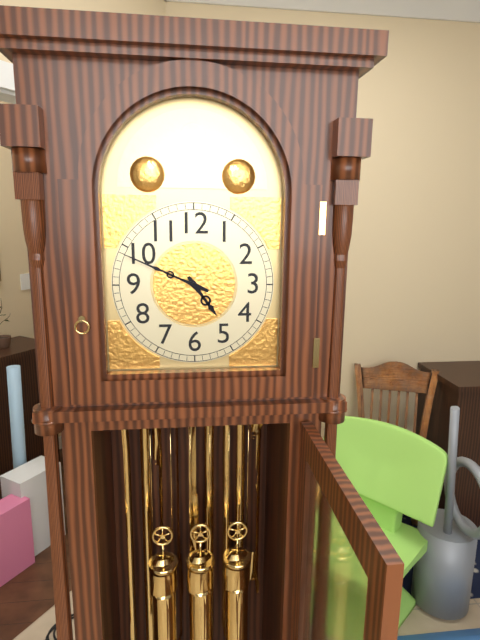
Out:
h=4 m=49
